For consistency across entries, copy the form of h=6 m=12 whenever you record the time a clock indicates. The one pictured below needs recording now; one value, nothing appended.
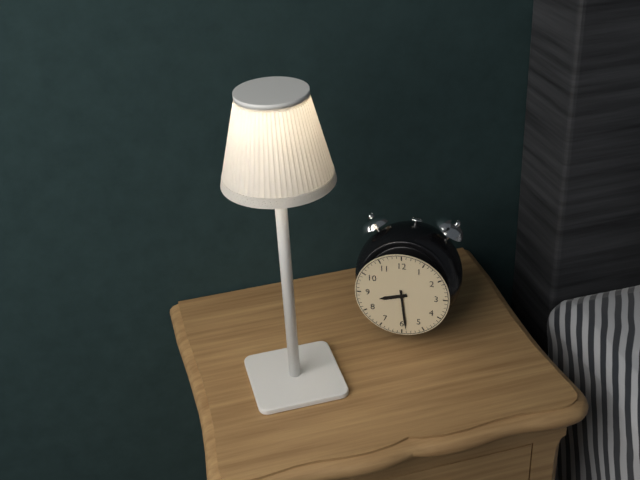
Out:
h=8 m=29
